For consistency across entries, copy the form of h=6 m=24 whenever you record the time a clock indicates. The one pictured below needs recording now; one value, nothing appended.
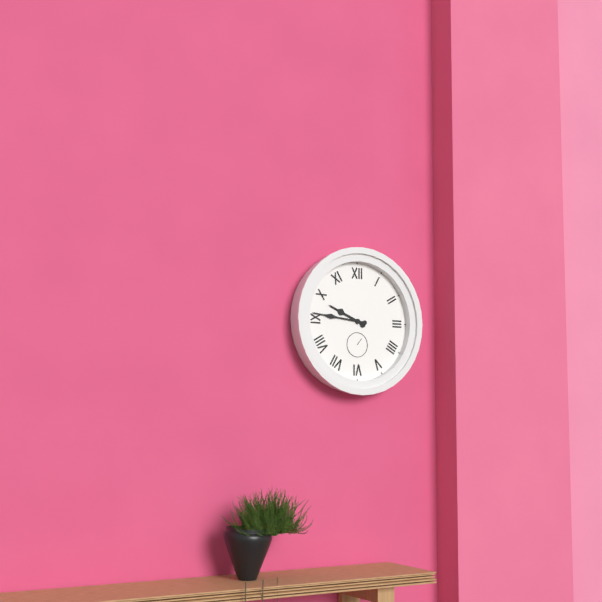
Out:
h=9 m=46
